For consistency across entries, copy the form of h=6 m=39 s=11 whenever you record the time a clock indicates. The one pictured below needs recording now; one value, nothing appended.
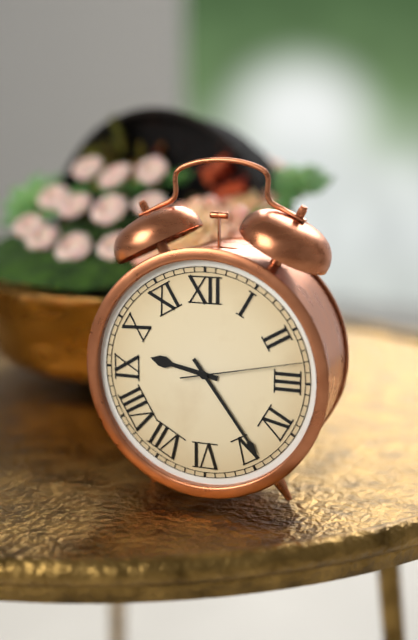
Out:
h=9 m=24 s=13
